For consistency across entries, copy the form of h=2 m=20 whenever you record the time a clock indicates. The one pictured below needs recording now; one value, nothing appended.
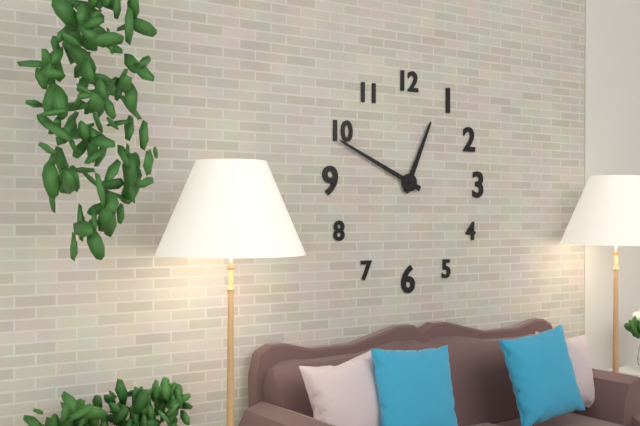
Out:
h=12 m=49
